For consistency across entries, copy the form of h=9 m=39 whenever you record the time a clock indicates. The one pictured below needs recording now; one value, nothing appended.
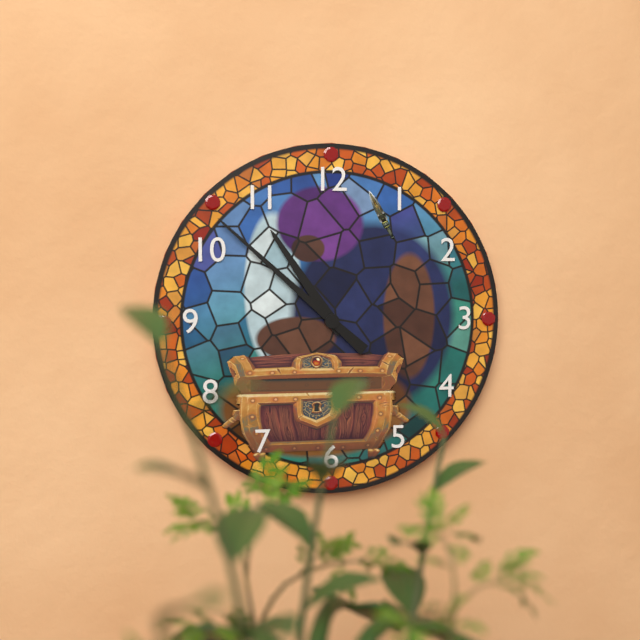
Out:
h=10 m=52
